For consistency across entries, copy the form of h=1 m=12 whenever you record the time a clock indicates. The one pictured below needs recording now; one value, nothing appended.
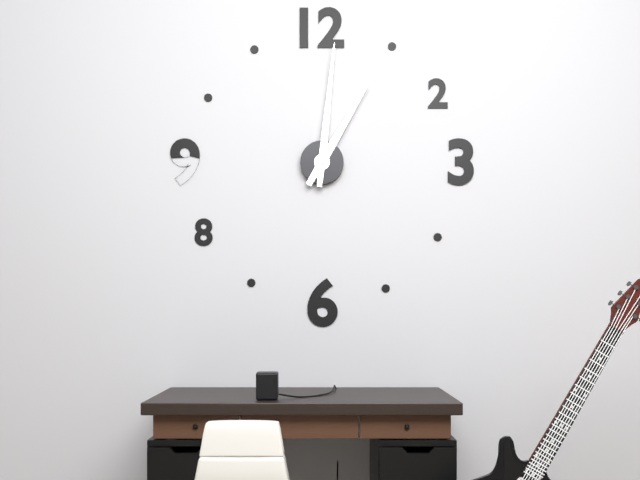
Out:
h=1 m=1
